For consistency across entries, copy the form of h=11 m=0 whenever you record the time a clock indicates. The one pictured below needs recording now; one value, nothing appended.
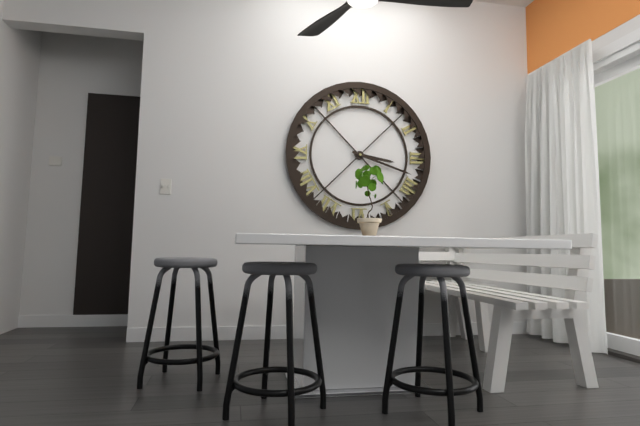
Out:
h=3 m=18
